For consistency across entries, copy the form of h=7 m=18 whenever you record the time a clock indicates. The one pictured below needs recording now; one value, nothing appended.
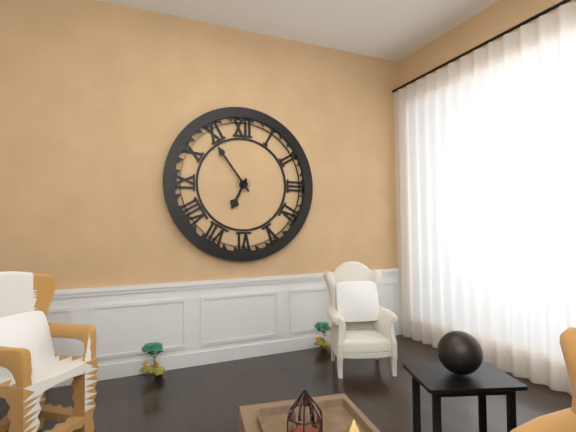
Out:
h=6 m=54
